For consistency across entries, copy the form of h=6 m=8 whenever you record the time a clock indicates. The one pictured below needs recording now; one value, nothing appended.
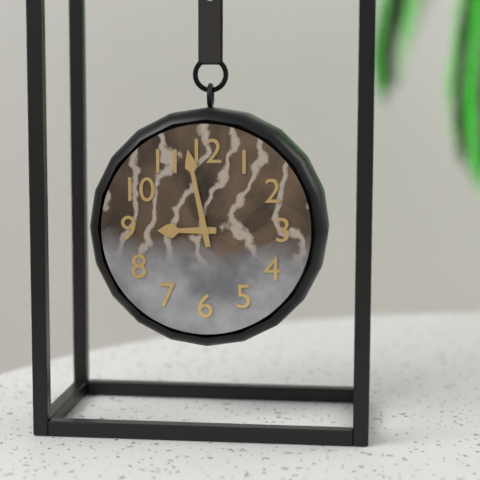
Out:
h=8 m=58
